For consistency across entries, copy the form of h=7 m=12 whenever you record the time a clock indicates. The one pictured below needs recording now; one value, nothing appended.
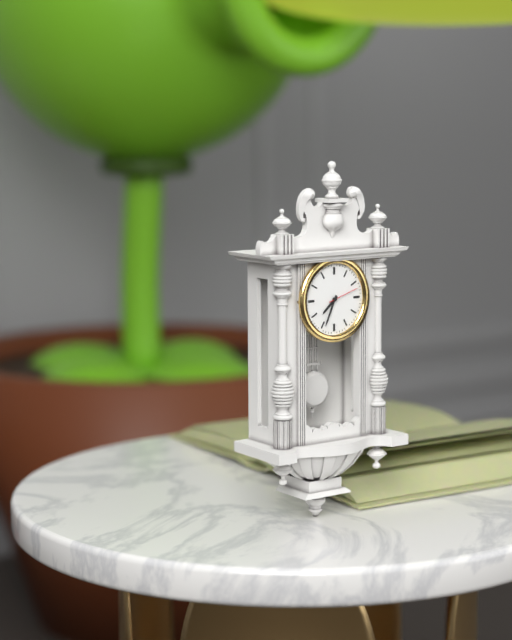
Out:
h=7 m=34
